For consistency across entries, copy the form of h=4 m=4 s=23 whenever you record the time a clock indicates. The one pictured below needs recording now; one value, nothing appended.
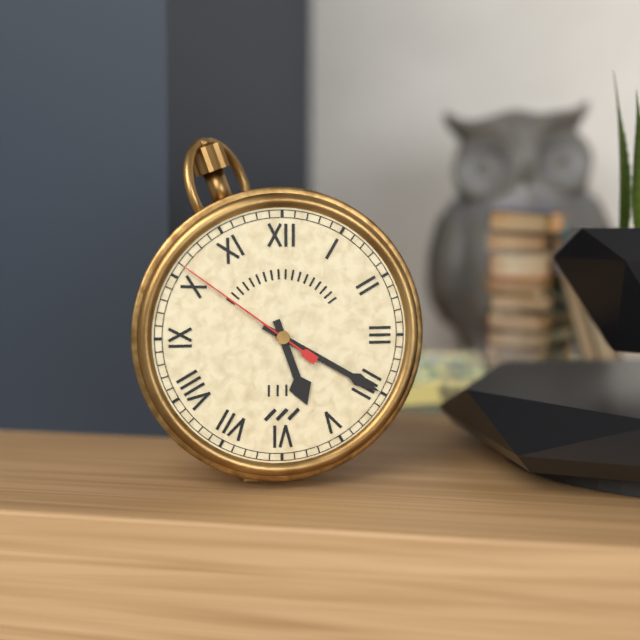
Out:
h=5 m=20 s=51
